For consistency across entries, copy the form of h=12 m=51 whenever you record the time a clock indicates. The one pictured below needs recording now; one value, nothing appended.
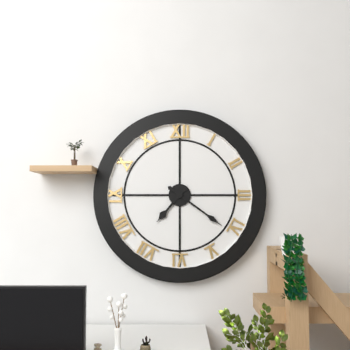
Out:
h=7 m=21
